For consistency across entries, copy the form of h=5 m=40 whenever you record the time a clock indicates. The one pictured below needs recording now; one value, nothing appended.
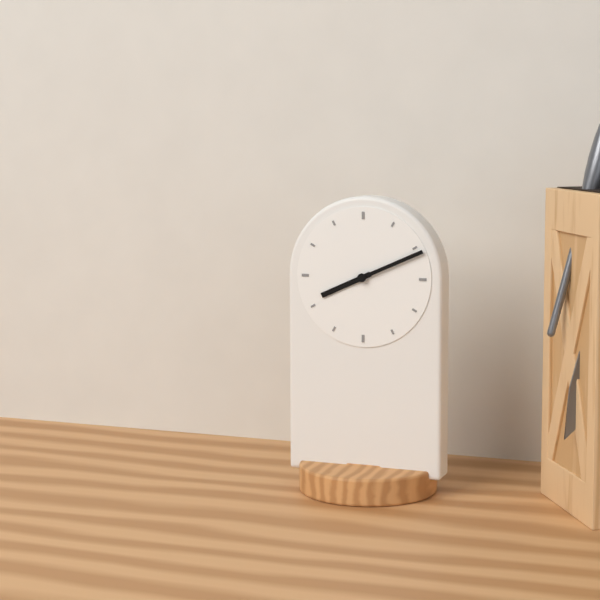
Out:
h=8 m=11
